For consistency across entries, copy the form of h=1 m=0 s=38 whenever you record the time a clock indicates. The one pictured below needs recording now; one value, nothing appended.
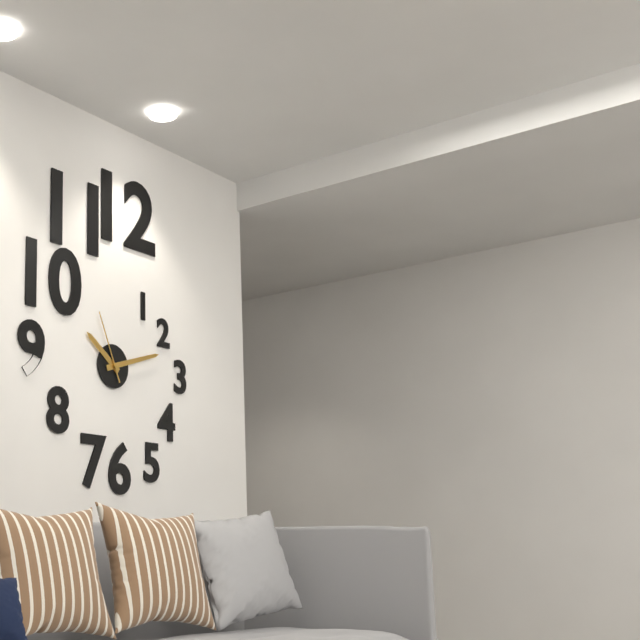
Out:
h=10 m=12 s=56
